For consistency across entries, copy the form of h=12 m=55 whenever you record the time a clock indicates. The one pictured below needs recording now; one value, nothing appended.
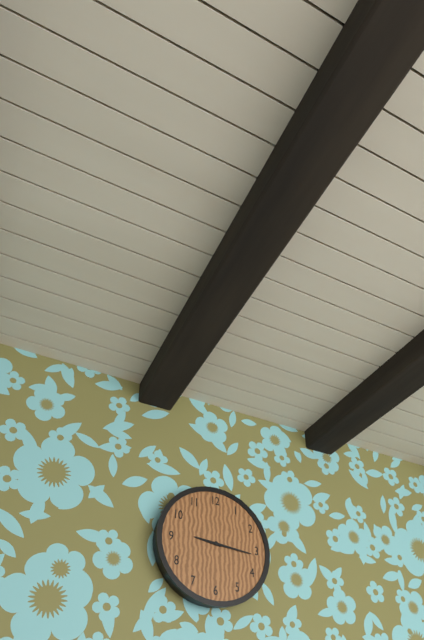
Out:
h=9 m=16
